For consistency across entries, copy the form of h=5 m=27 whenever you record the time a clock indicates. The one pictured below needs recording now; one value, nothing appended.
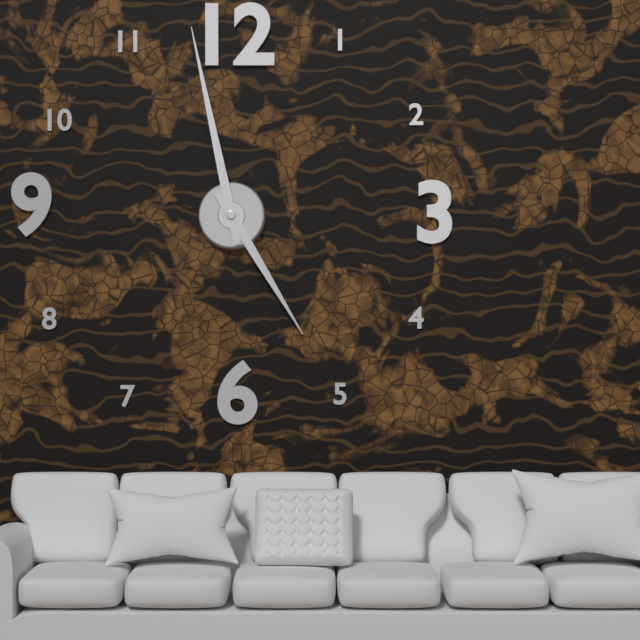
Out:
h=4 m=58
